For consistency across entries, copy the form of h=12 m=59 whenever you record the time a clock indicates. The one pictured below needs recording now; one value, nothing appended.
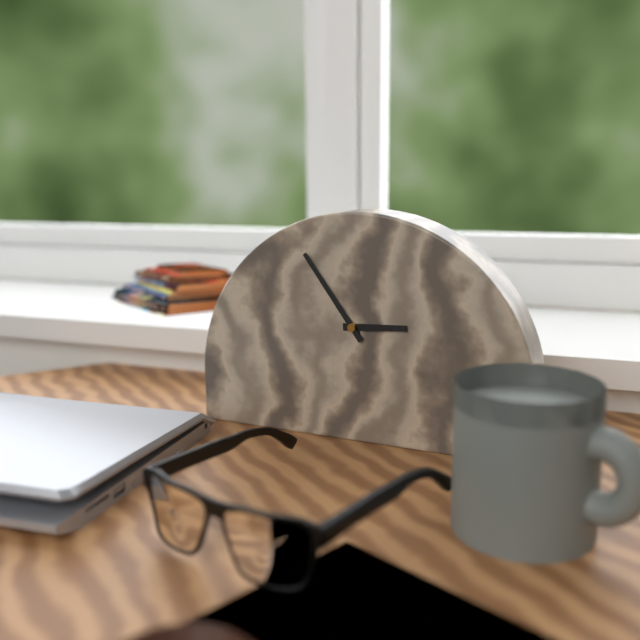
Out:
h=2 m=54
